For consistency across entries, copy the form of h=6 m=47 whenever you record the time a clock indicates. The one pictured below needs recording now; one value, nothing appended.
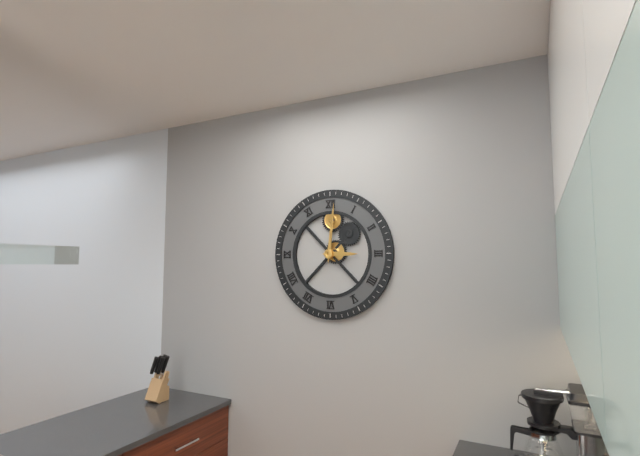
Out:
h=3 m=1
